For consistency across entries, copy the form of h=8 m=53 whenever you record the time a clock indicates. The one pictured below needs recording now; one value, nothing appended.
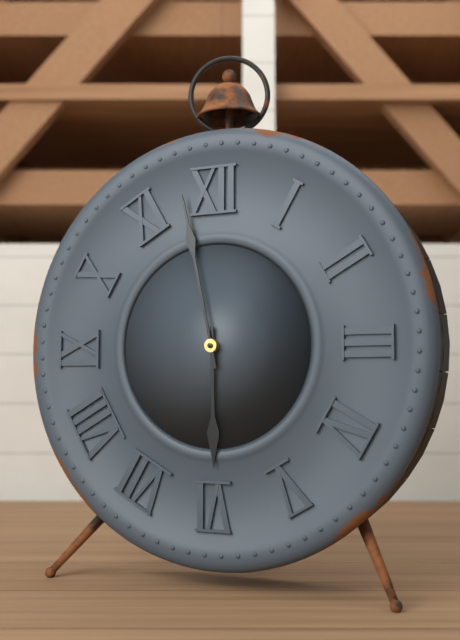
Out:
h=5 m=58
